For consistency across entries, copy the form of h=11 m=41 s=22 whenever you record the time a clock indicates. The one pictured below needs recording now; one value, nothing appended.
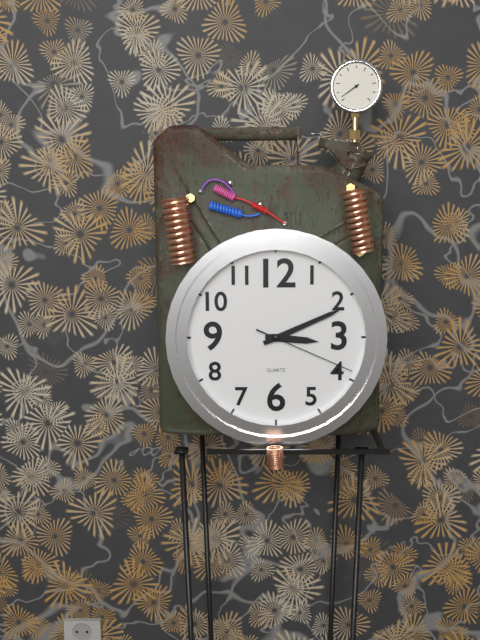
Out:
h=3 m=11 s=19
